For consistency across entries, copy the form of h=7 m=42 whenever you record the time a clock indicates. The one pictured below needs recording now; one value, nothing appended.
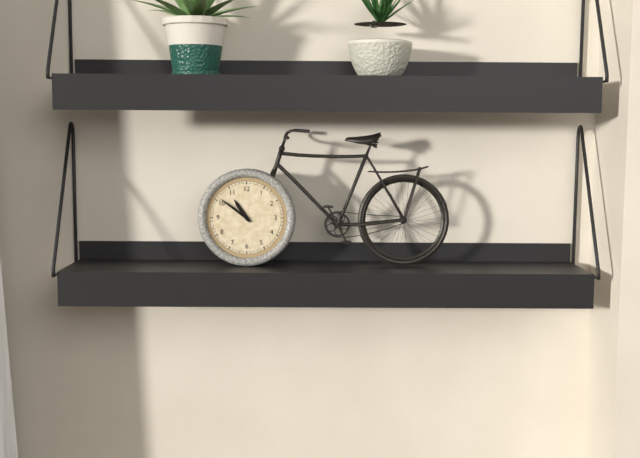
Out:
h=10 m=51
